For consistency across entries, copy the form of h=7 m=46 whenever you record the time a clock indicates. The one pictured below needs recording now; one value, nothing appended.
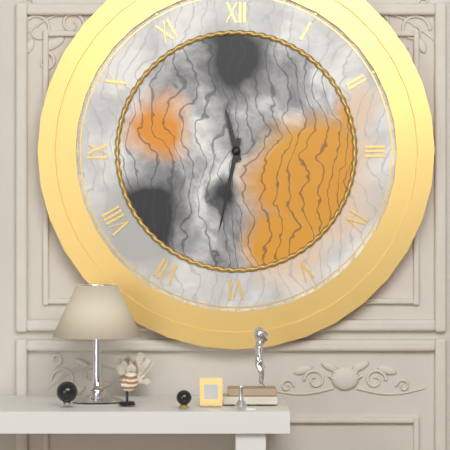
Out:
h=11 m=32
